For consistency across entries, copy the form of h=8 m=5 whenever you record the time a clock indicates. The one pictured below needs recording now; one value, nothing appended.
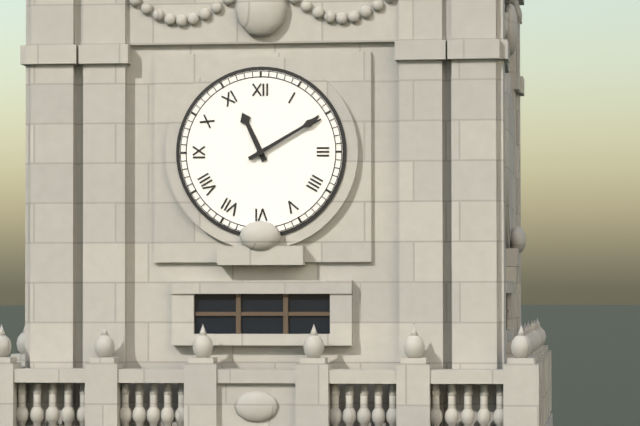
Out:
h=11 m=10
